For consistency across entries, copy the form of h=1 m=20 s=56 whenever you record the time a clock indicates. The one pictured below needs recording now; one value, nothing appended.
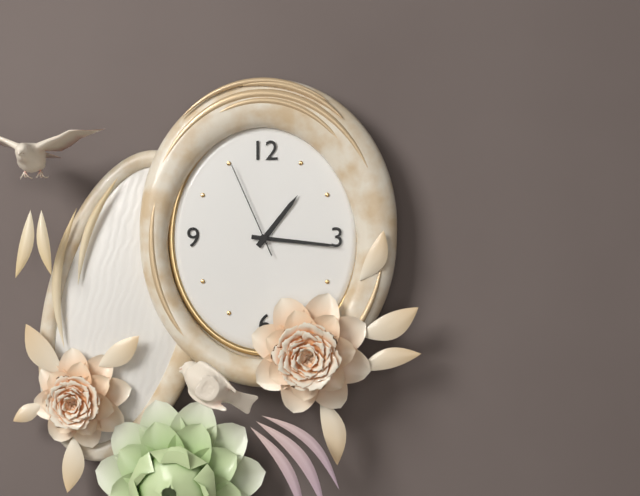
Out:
h=1 m=16 s=56
